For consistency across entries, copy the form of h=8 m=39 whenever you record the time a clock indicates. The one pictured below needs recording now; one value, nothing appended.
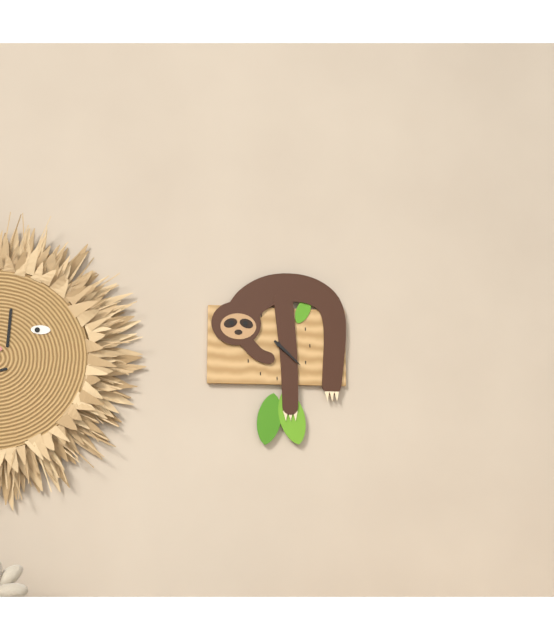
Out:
h=4 m=22
